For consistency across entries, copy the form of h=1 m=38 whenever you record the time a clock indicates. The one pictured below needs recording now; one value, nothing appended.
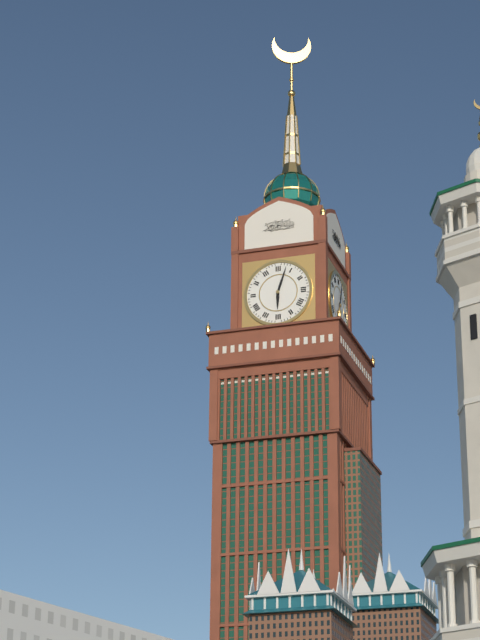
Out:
h=6 m=3
